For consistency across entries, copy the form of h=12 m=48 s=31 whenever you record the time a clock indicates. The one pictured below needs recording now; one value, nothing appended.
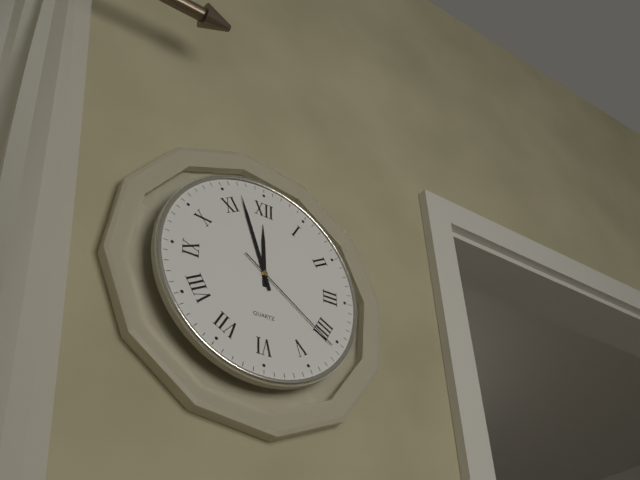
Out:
h=11 m=57 s=21
